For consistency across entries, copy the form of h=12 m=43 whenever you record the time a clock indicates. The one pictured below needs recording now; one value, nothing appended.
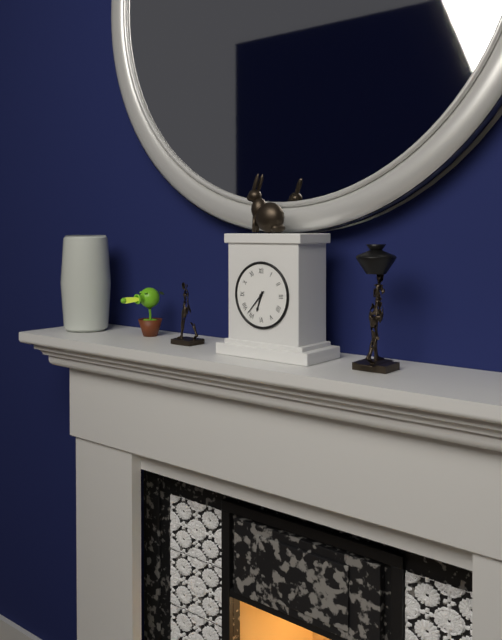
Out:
h=6 m=37
